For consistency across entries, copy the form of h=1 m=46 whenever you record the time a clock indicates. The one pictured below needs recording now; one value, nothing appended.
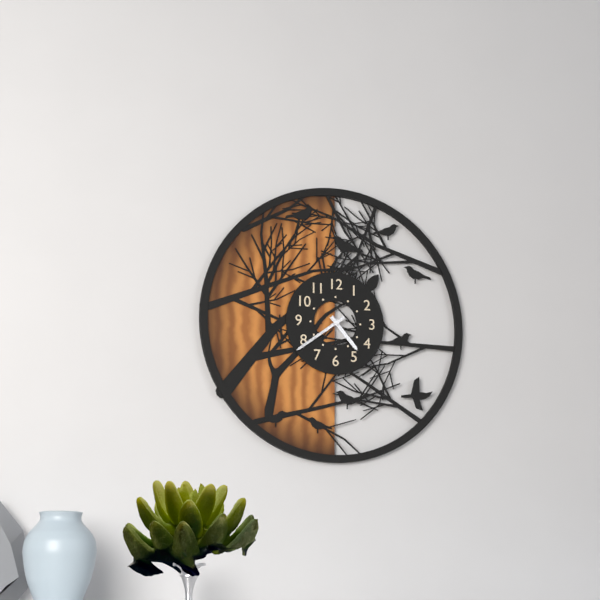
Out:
h=4 m=39
